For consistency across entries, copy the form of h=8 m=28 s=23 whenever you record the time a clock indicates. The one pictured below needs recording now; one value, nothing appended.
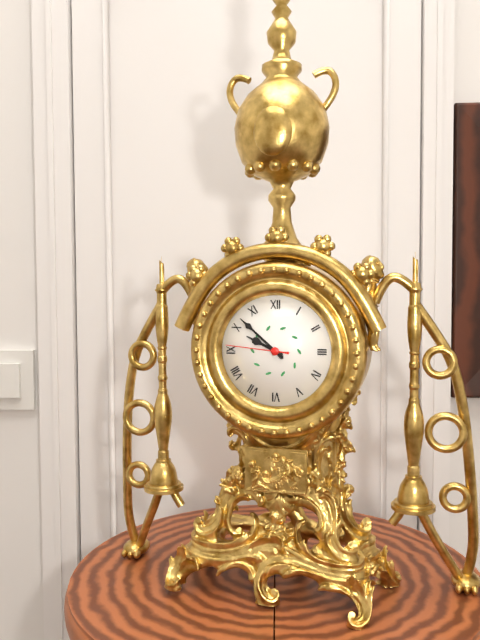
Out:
h=9 m=52 s=46
